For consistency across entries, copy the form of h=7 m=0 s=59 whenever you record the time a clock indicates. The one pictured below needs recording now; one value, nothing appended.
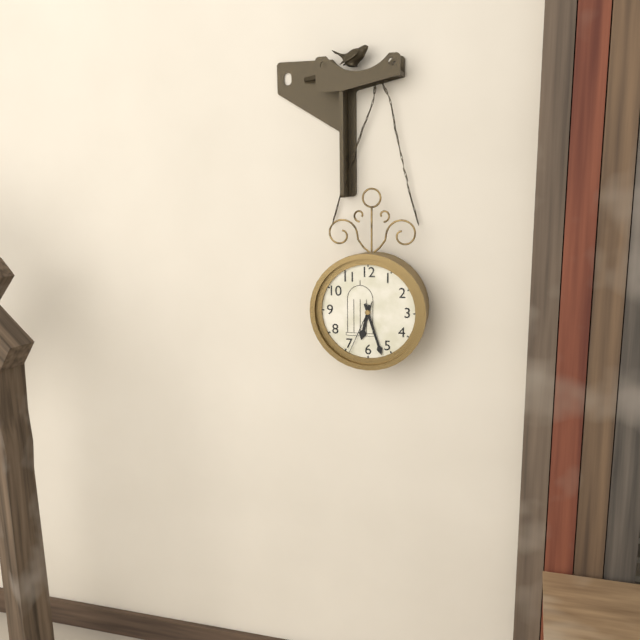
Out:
h=6 m=27 s=34
